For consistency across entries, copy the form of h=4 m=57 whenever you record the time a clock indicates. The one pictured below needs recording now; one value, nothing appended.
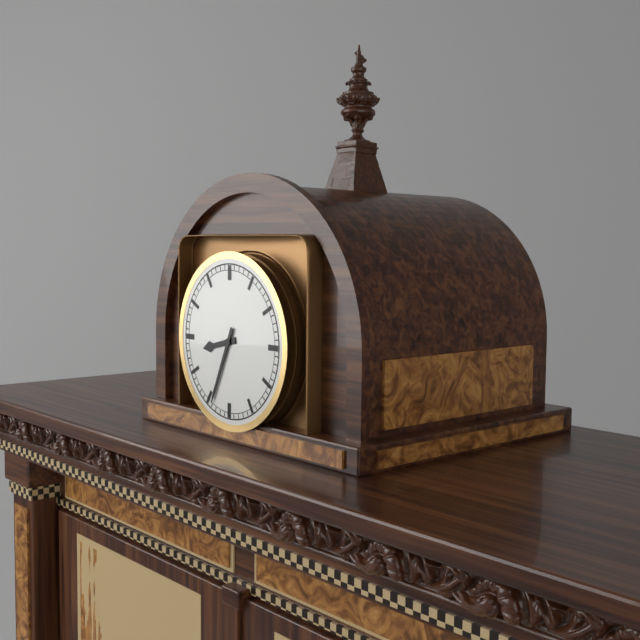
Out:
h=8 m=34
